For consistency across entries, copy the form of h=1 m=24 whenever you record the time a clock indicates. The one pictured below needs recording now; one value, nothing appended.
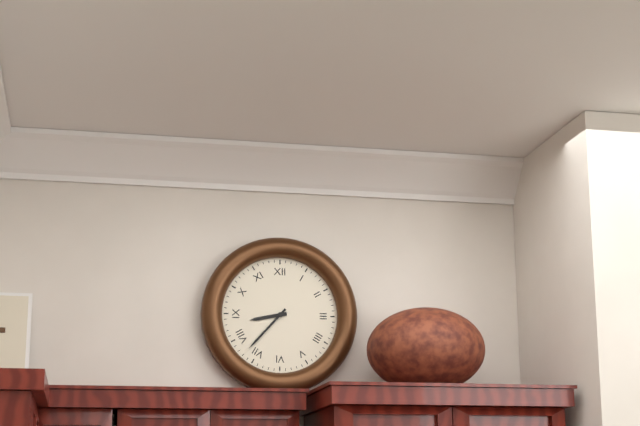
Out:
h=8 m=37
